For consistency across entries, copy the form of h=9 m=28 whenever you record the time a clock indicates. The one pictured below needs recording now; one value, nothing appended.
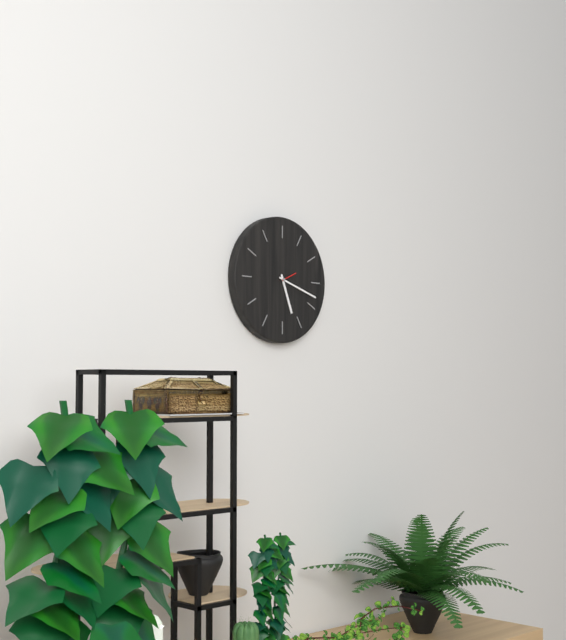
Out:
h=5 m=18
